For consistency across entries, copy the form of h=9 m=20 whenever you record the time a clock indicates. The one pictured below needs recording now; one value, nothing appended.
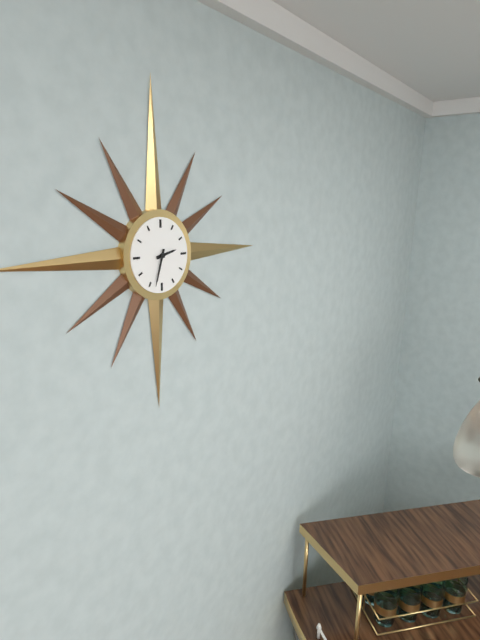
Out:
h=2 m=33
